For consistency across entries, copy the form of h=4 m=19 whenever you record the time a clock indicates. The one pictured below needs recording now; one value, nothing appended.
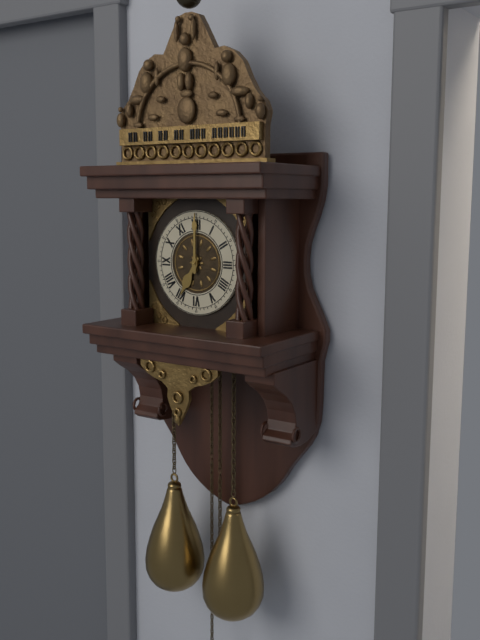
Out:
h=7 m=0
